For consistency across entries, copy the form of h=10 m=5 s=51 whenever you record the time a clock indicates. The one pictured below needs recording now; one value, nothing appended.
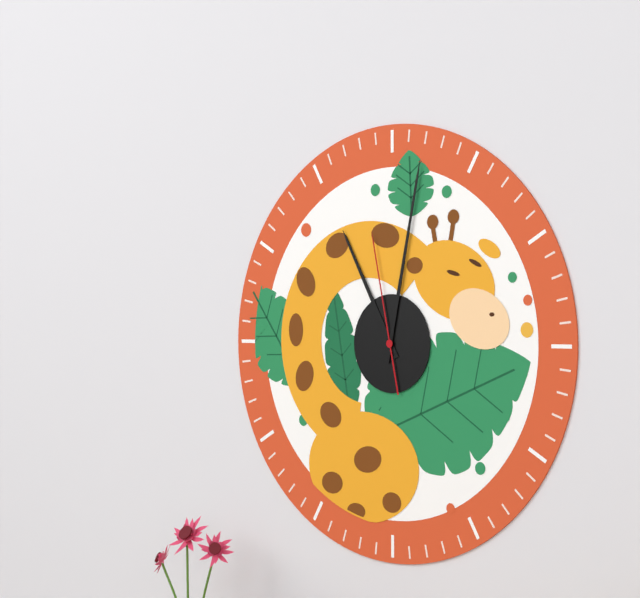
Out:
h=11 m=2 s=58
